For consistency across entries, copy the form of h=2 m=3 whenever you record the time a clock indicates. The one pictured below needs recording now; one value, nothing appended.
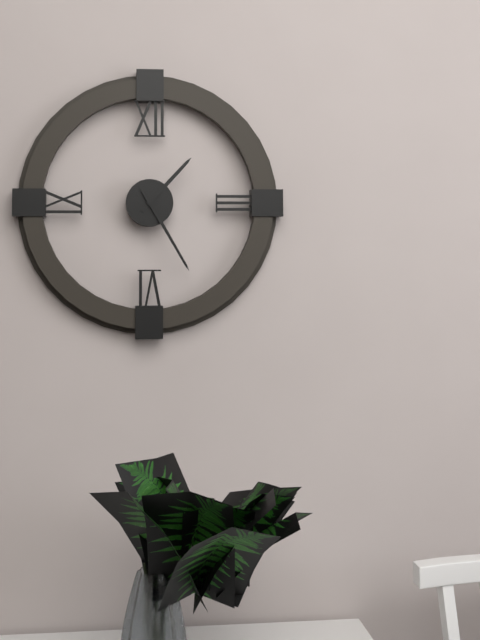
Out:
h=1 m=25
